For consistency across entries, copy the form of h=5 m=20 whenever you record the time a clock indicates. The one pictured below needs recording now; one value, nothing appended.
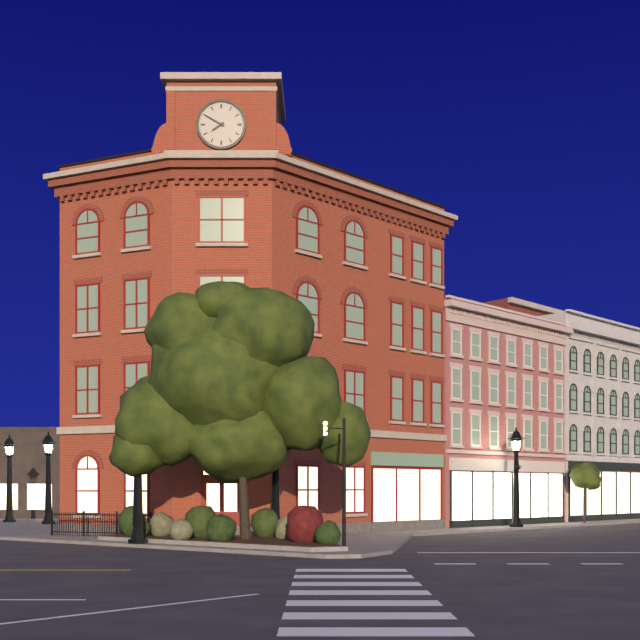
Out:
h=7 m=50
